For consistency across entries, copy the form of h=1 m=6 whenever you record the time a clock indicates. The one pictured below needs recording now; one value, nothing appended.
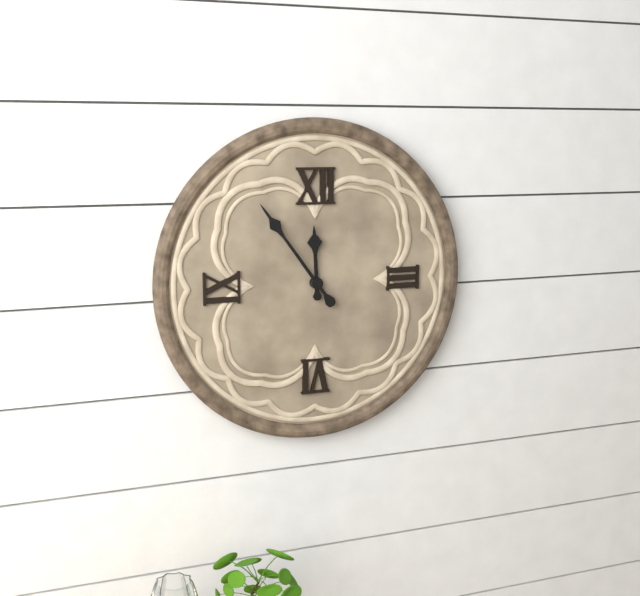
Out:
h=11 m=54
